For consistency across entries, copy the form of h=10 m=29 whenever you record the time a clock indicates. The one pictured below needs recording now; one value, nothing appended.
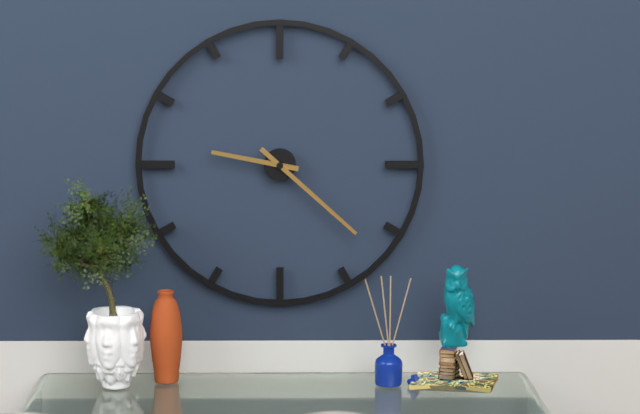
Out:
h=9 m=22
